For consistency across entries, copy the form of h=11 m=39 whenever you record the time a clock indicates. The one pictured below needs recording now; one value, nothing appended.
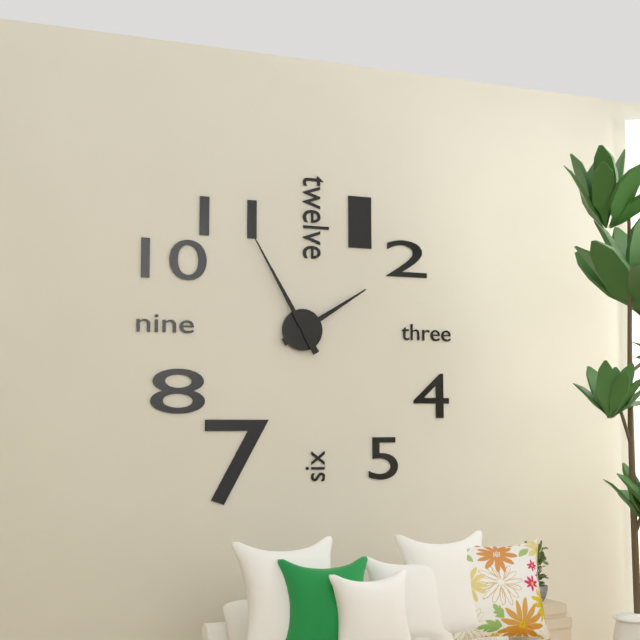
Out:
h=1 m=55
